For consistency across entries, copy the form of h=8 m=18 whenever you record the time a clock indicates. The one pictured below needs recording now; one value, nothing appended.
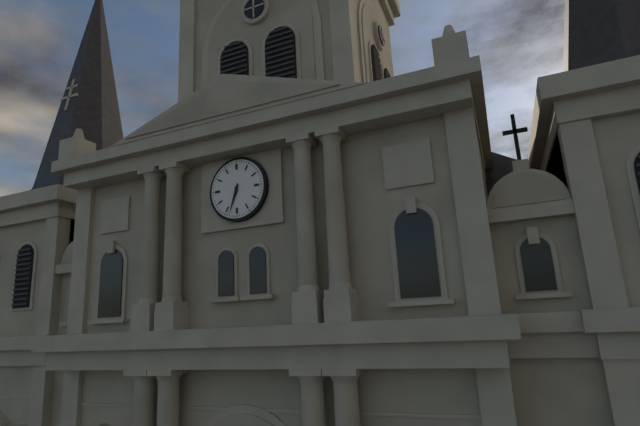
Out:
h=6 m=33
